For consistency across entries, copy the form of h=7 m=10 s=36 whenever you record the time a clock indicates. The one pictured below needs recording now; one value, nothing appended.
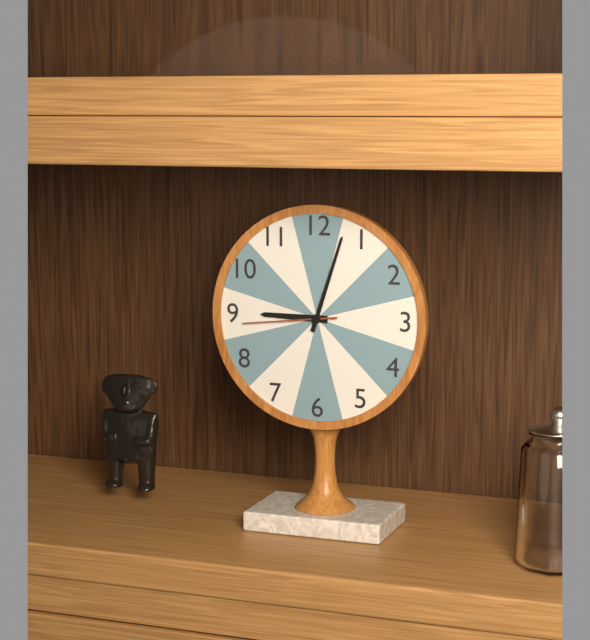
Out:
h=9 m=3 s=44
